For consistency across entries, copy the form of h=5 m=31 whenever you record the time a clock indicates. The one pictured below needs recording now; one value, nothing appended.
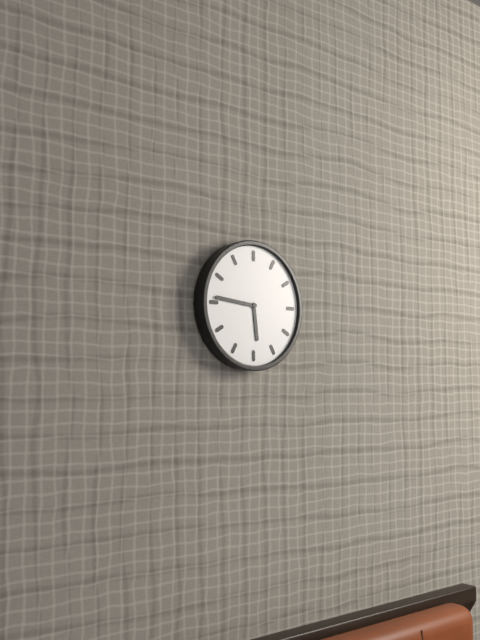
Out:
h=5 m=46
